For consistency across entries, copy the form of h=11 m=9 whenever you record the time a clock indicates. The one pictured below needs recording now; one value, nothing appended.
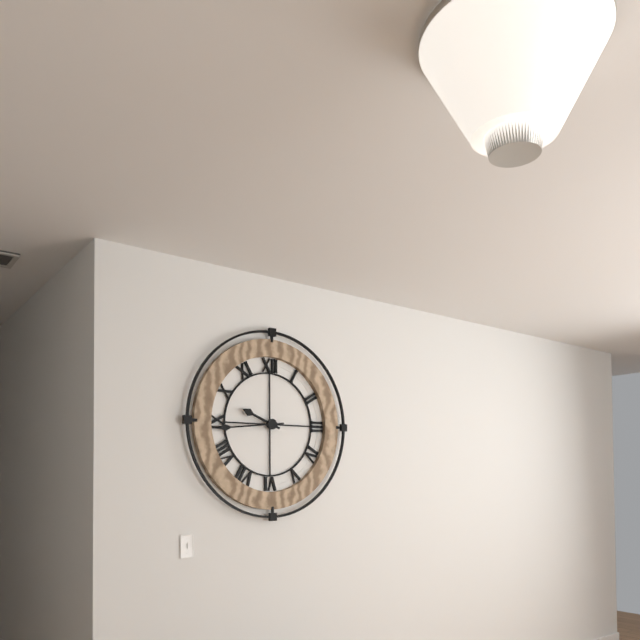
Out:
h=9 m=44
